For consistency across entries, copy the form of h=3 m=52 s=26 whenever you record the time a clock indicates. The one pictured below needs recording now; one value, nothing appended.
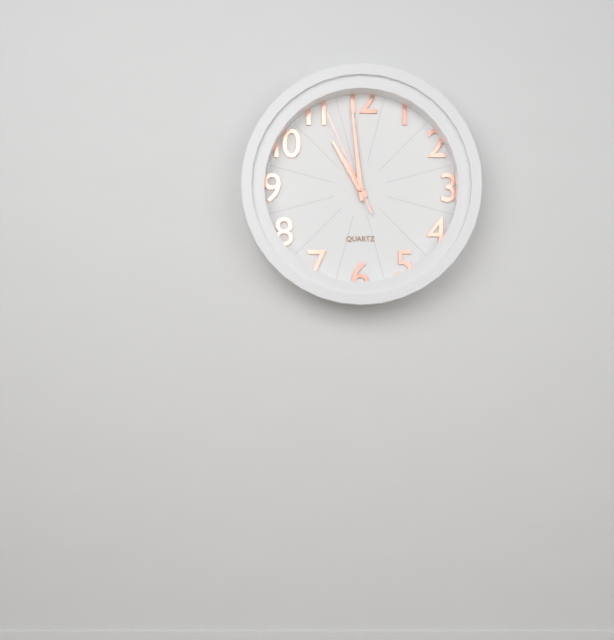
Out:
h=10 m=59 s=56
